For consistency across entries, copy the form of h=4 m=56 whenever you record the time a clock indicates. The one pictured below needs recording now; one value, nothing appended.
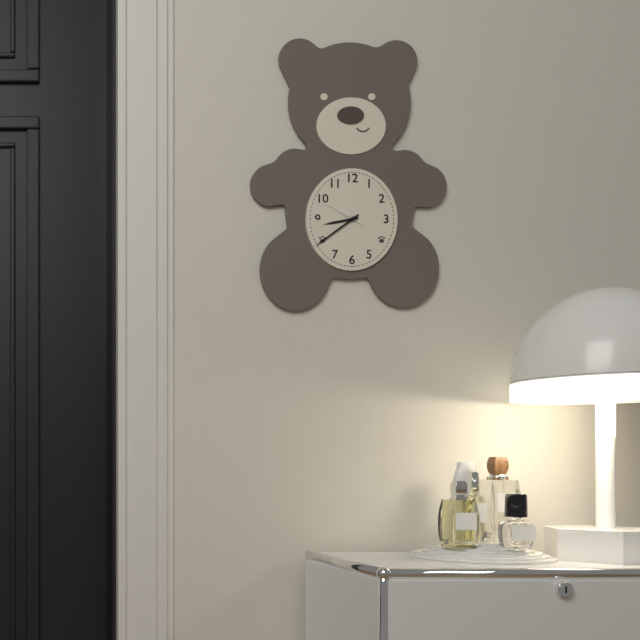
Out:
h=8 m=39
